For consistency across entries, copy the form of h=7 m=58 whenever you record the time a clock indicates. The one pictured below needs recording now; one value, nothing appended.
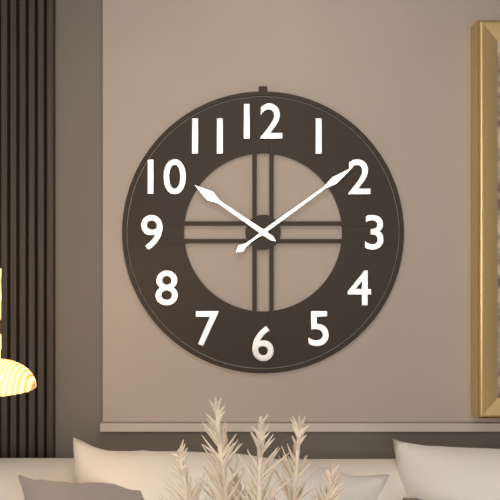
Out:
h=10 m=9
